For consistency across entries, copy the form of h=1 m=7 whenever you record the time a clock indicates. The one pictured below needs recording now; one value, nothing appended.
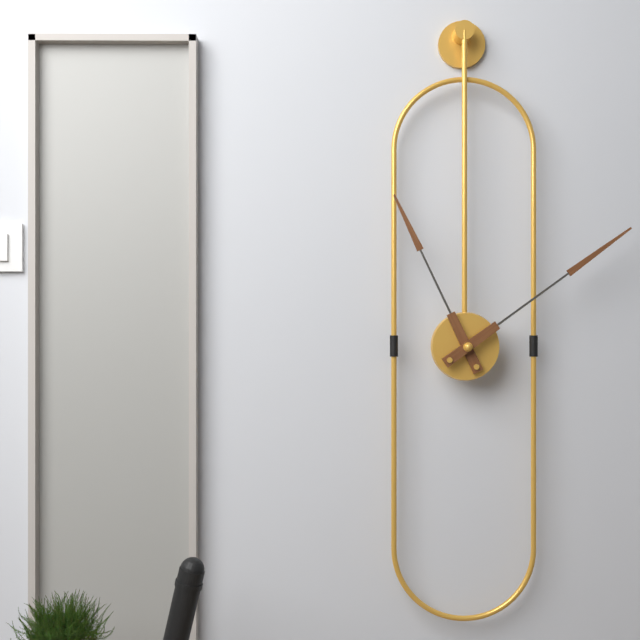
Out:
h=11 m=9
